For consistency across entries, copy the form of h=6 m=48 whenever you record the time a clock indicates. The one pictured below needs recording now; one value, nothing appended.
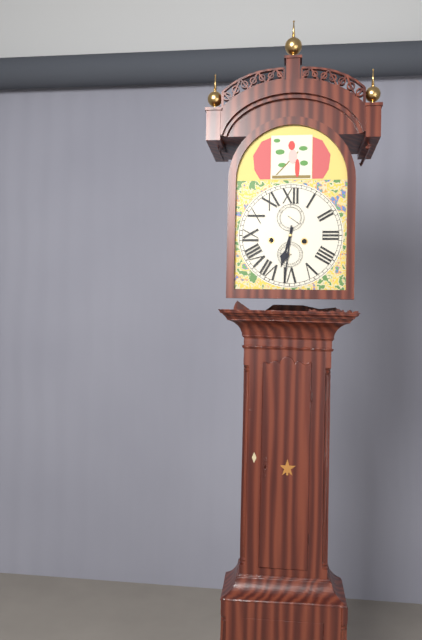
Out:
h=6 m=31
